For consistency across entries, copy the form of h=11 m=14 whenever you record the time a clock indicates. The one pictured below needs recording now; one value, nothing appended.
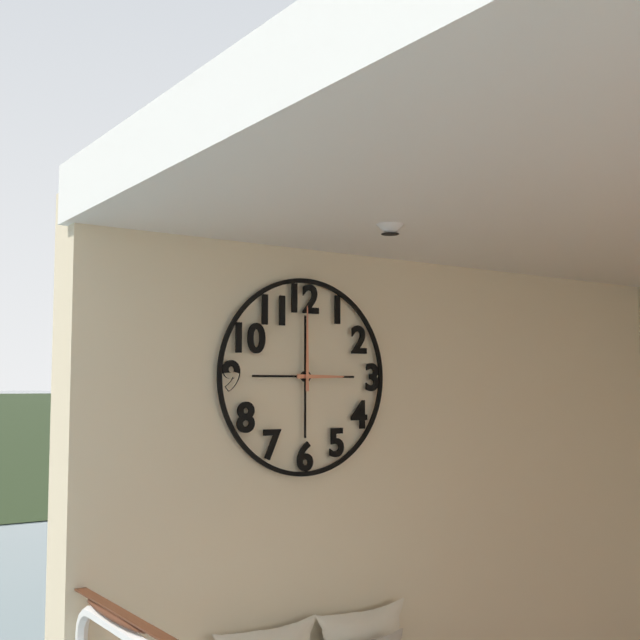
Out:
h=3 m=0
